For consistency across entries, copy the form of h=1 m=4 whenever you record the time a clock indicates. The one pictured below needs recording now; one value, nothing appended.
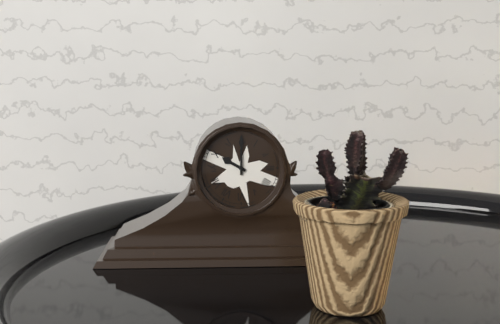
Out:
h=10 m=0
